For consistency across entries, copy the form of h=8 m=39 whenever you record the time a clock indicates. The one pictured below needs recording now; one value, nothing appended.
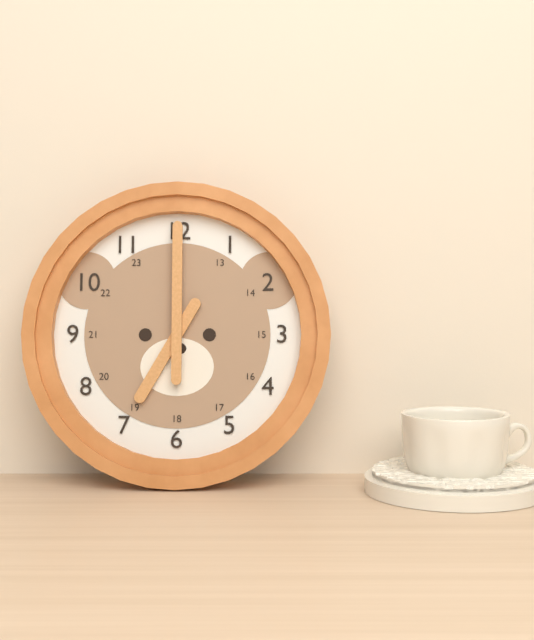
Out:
h=7 m=0
